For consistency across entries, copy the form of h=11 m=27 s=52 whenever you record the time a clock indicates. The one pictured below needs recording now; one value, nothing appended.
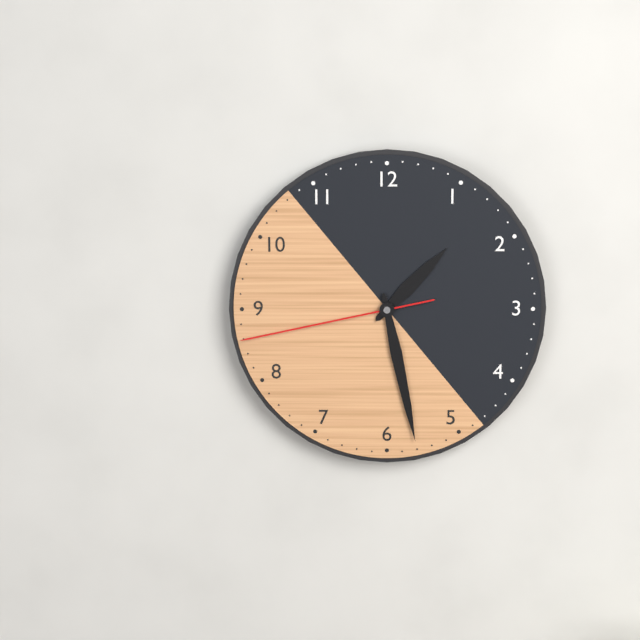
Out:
h=1 m=28 s=43
